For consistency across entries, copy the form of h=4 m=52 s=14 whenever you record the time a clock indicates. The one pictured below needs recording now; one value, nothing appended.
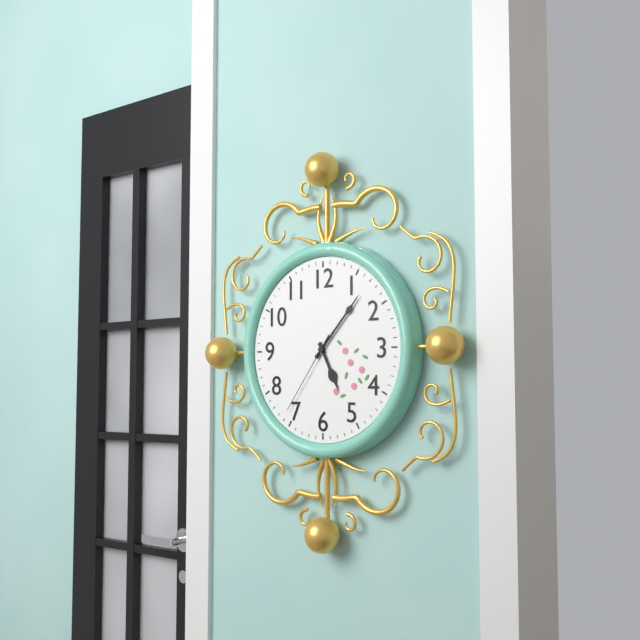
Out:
h=5 m=7 s=36
